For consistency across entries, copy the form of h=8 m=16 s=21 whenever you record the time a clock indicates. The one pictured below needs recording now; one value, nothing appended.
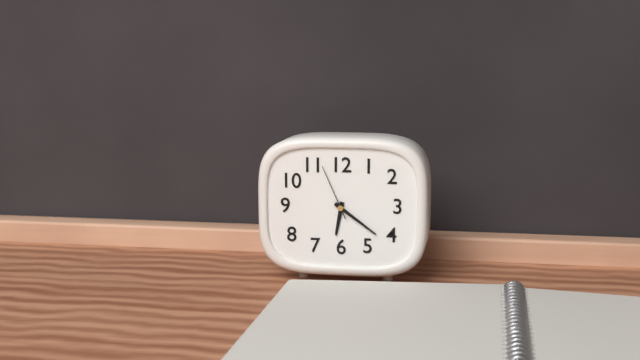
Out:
h=6 m=21 s=56
